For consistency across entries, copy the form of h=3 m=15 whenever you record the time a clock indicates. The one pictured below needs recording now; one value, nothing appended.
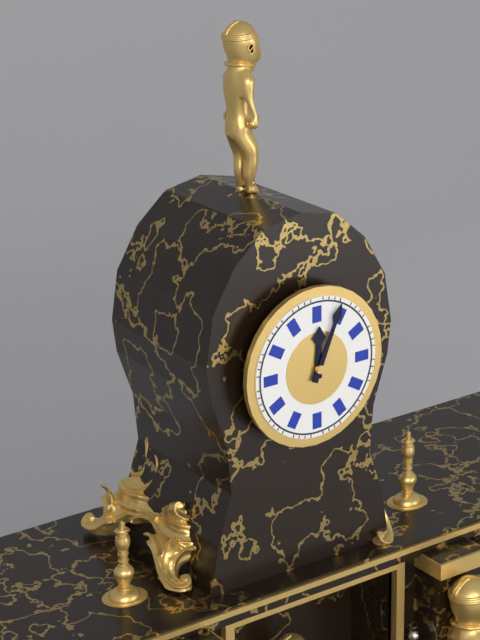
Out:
h=12 m=4
